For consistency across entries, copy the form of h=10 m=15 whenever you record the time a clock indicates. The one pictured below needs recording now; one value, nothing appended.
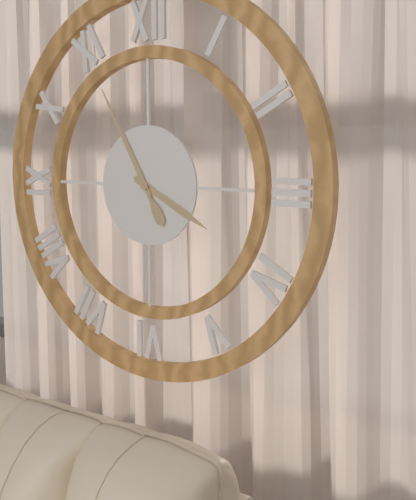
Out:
h=3 m=55
